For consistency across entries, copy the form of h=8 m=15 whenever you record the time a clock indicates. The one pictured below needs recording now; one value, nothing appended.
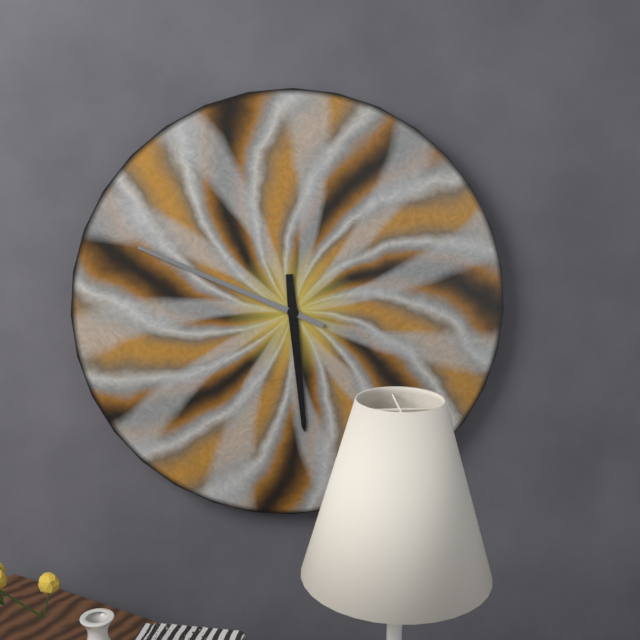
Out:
h=5 m=49
